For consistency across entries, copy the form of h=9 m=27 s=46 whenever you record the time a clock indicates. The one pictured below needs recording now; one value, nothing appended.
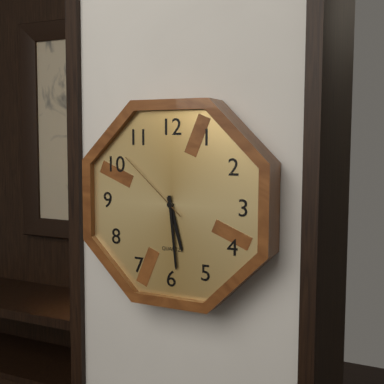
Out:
h=5 m=29 s=52
